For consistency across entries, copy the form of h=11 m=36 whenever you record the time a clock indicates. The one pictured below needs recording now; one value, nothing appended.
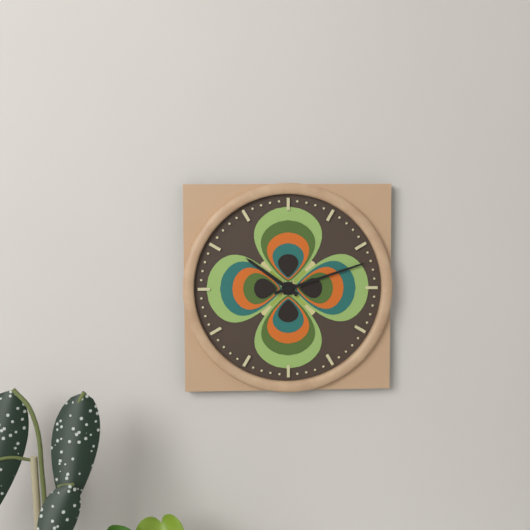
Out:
h=10 m=12
